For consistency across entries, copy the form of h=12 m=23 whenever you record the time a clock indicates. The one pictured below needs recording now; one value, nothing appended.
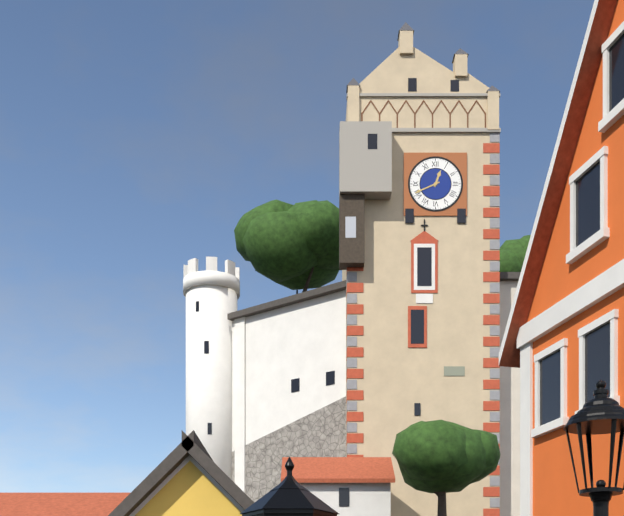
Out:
h=12 m=41
